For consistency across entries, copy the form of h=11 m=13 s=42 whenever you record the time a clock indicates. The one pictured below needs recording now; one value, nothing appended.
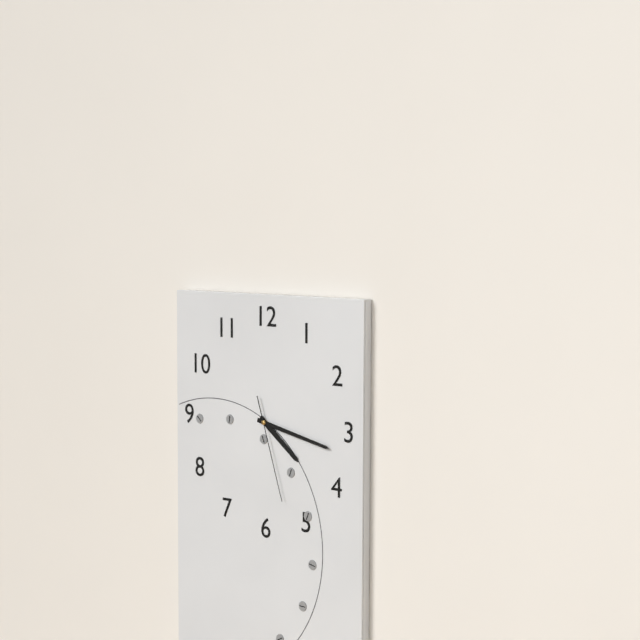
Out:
h=4 m=17 s=27
